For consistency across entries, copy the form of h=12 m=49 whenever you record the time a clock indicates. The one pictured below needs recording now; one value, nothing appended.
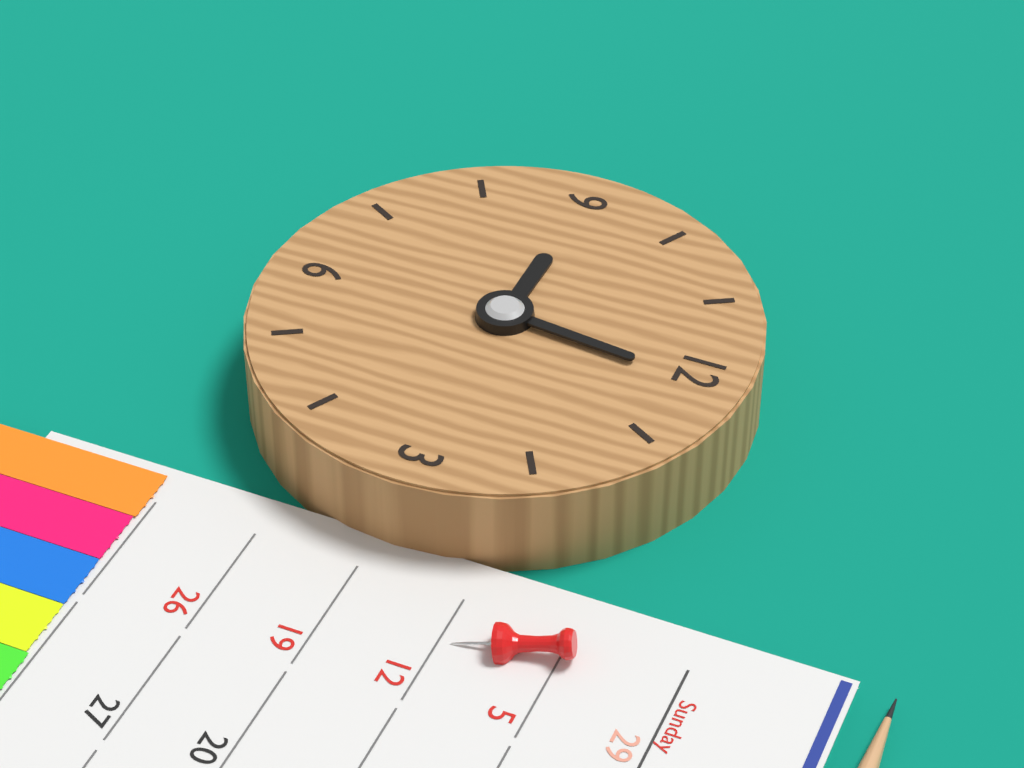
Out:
h=9 m=1
